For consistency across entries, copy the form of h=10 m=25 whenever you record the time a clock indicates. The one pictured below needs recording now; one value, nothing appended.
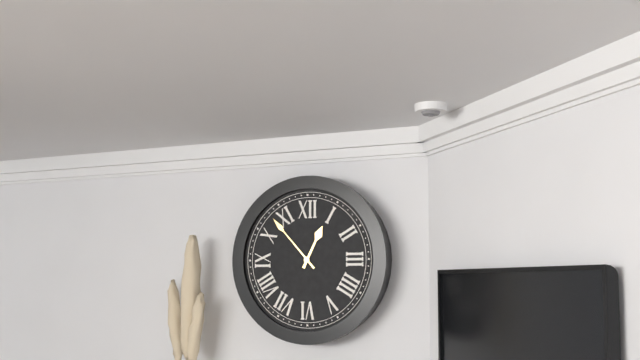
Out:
h=12 m=53
